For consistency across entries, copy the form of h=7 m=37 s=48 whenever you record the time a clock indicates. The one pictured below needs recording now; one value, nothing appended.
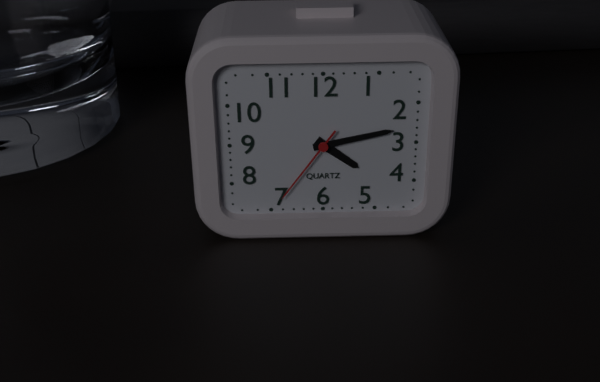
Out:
h=4 m=13 s=36
